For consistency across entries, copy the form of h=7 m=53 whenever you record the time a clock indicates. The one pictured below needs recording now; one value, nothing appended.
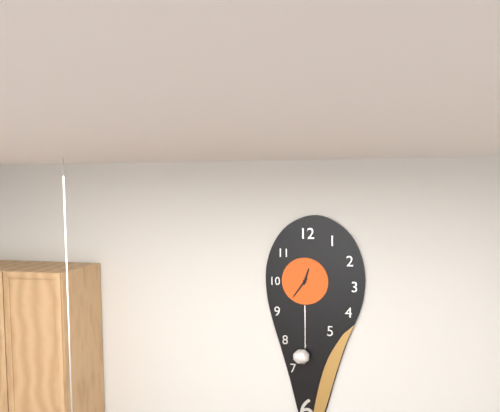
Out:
h=12 m=36
